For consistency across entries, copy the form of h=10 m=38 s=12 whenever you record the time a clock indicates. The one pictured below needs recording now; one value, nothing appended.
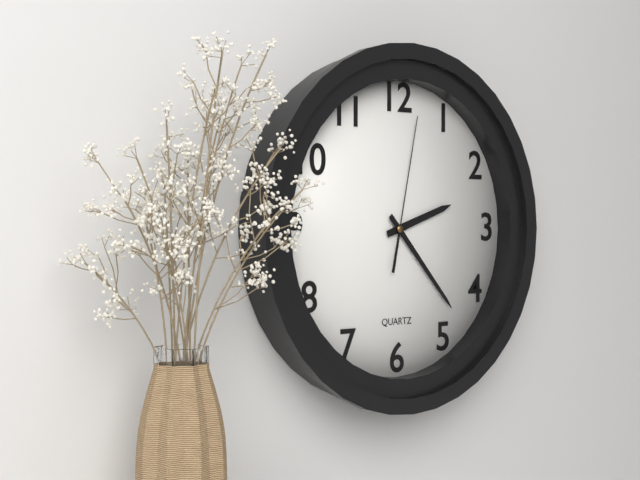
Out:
h=2 m=23 s=2
